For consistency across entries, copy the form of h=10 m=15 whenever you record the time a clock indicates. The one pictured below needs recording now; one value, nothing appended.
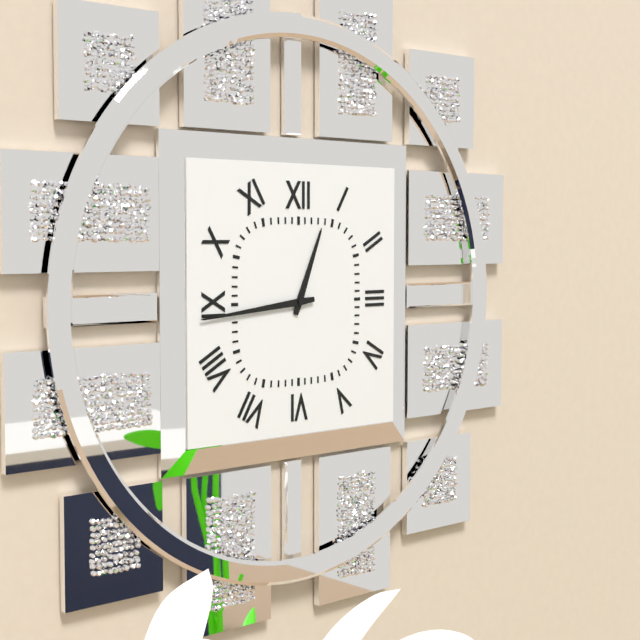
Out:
h=12 m=44
